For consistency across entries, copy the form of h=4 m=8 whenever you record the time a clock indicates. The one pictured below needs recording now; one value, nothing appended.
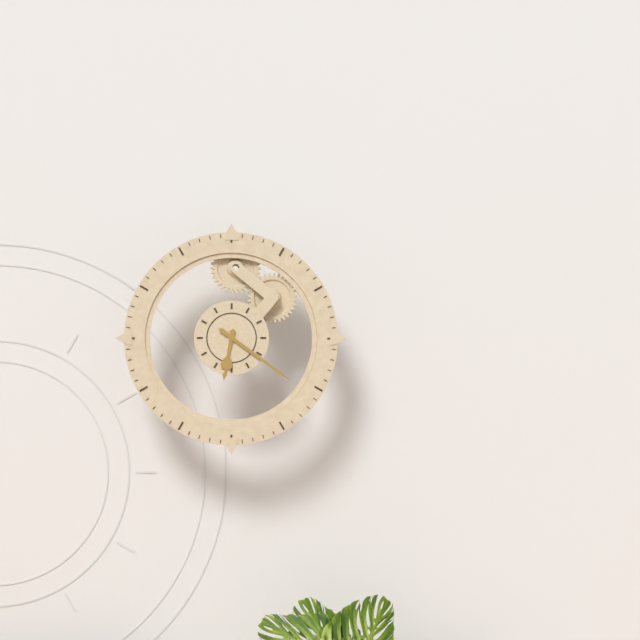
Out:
h=6 m=21
